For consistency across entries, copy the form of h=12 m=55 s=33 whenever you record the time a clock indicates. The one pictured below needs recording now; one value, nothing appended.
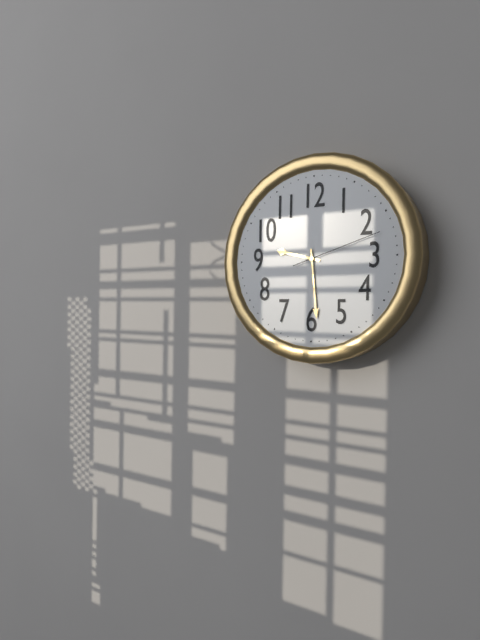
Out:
h=9 m=29 s=12
